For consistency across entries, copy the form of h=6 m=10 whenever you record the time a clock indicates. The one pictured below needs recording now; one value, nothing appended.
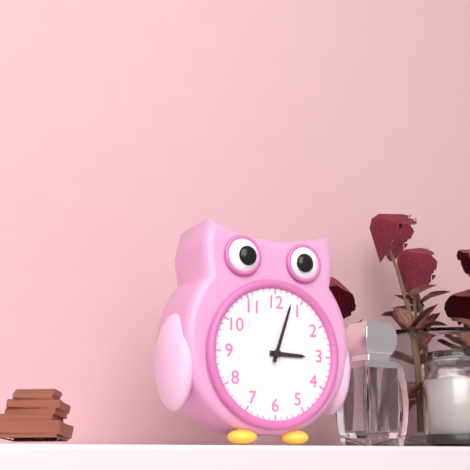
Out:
h=3 m=3
